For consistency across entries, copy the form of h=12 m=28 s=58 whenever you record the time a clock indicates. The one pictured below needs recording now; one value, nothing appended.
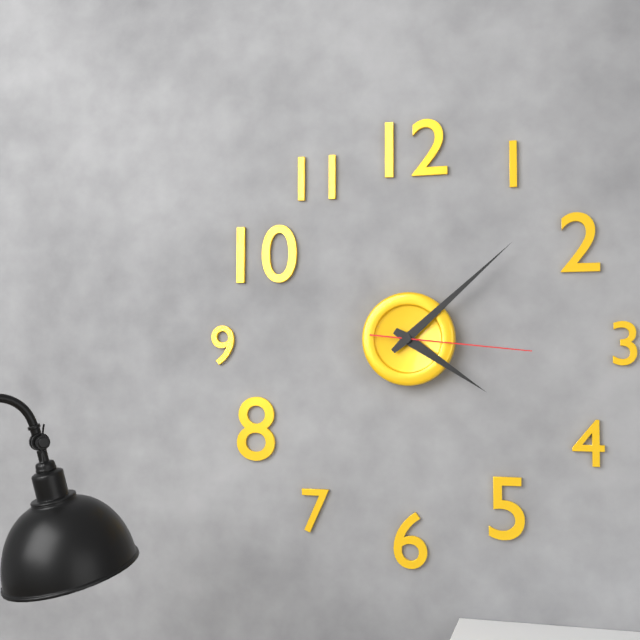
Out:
h=4 m=8 s=16
